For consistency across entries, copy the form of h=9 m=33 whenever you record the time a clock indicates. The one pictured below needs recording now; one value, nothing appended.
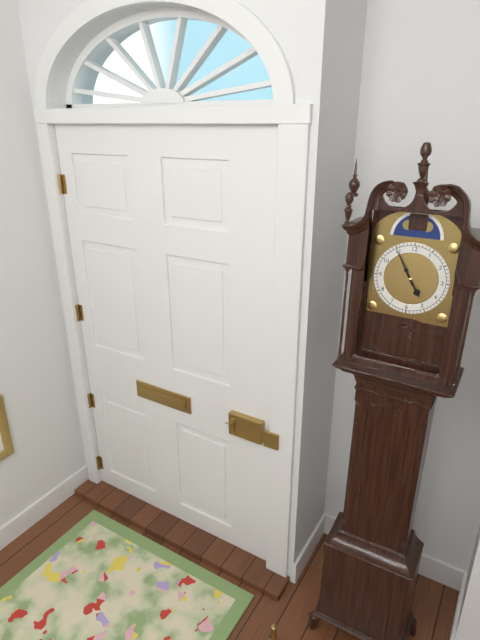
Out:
h=4 m=55
